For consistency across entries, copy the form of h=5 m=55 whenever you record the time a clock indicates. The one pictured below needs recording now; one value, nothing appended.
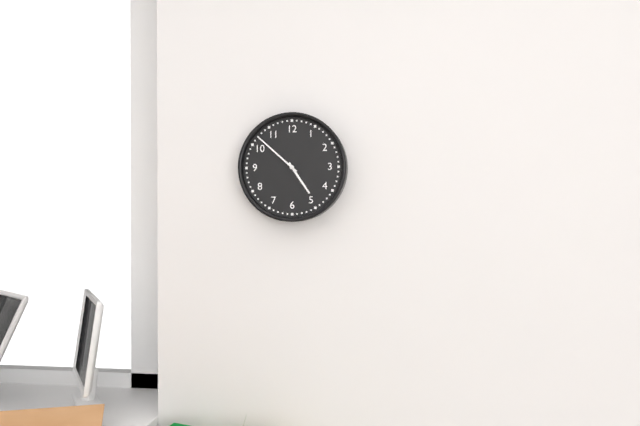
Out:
h=4 m=52
